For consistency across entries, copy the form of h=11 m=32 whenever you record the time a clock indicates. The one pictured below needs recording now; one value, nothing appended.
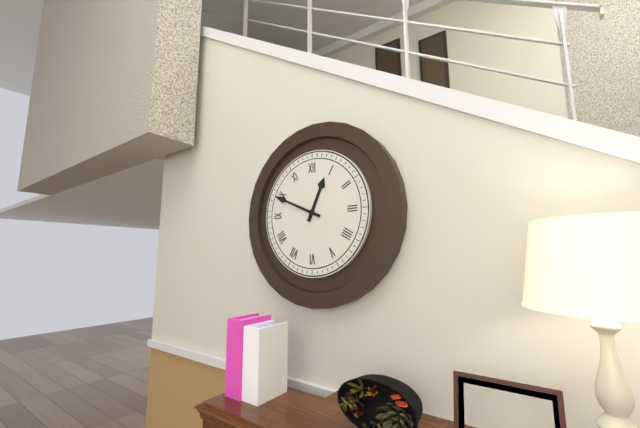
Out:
h=12 m=49
